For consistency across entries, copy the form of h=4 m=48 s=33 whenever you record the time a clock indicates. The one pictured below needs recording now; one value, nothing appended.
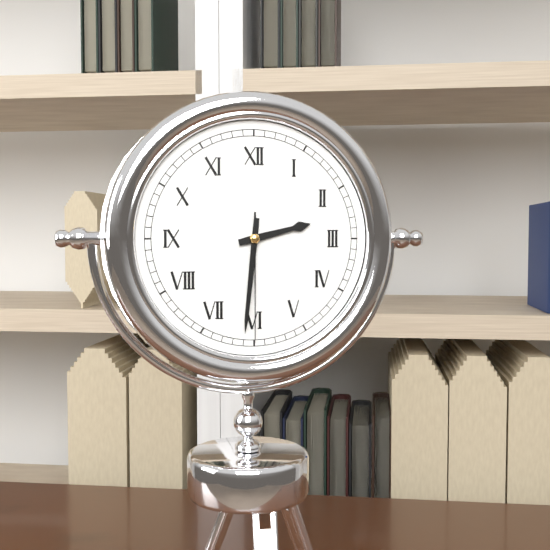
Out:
h=2 m=31 s=30
